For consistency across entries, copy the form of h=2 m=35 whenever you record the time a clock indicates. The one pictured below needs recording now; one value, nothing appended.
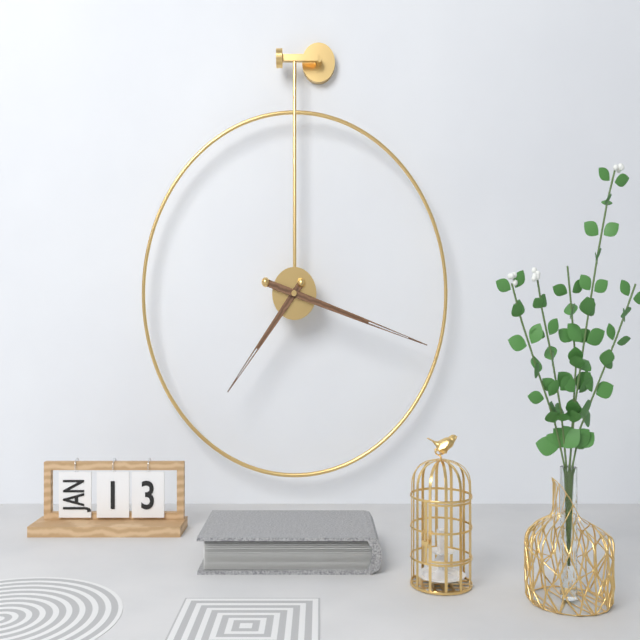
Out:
h=7 m=18
